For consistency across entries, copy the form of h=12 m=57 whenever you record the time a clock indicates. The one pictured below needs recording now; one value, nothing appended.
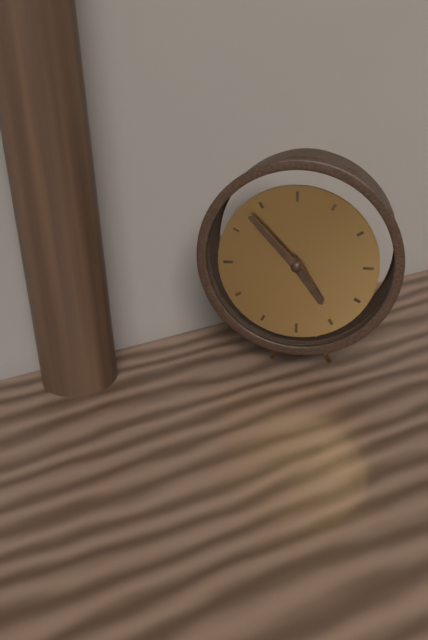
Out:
h=4 m=53
